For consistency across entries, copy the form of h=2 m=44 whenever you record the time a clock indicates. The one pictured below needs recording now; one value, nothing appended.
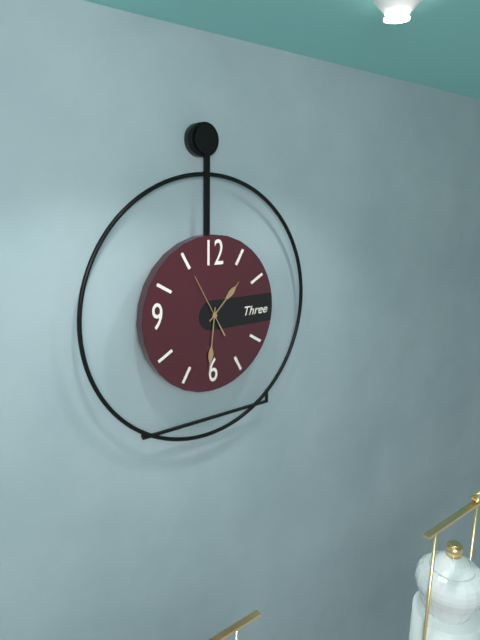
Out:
h=1 m=31
